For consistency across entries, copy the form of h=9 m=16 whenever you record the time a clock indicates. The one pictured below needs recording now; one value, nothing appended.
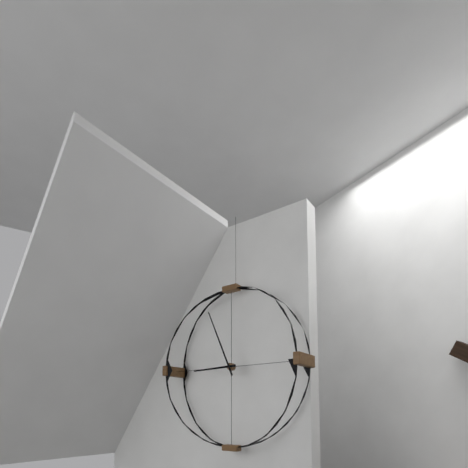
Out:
h=8 m=56
